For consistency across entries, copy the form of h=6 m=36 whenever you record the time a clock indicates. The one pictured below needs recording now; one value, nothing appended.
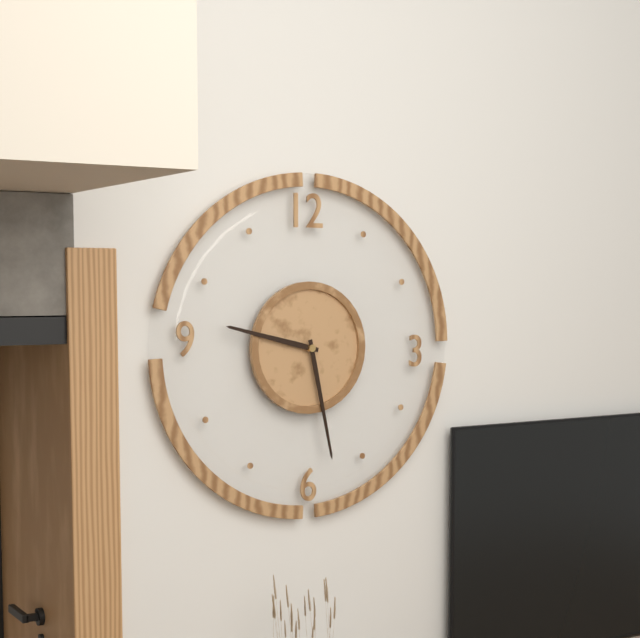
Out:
h=9 m=28
